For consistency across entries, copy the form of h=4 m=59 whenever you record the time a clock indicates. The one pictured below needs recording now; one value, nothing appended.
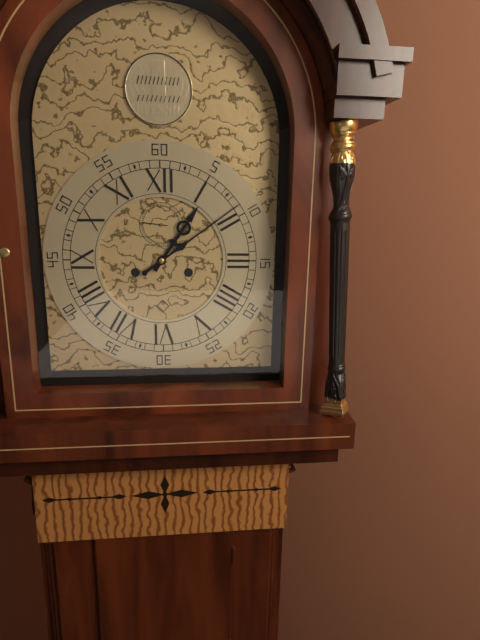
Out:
h=1 m=9
